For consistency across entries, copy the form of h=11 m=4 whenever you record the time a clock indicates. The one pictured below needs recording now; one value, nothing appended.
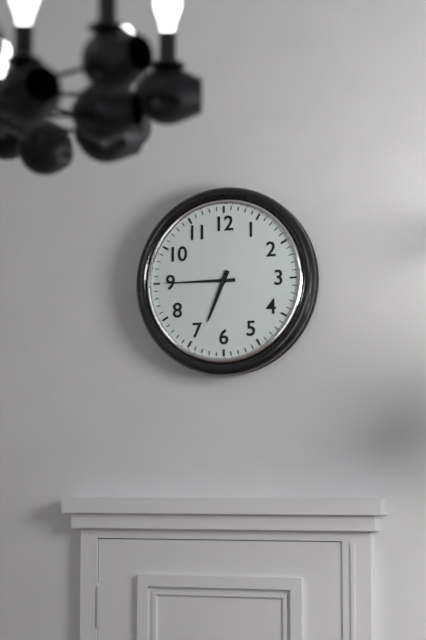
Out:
h=6 m=45
